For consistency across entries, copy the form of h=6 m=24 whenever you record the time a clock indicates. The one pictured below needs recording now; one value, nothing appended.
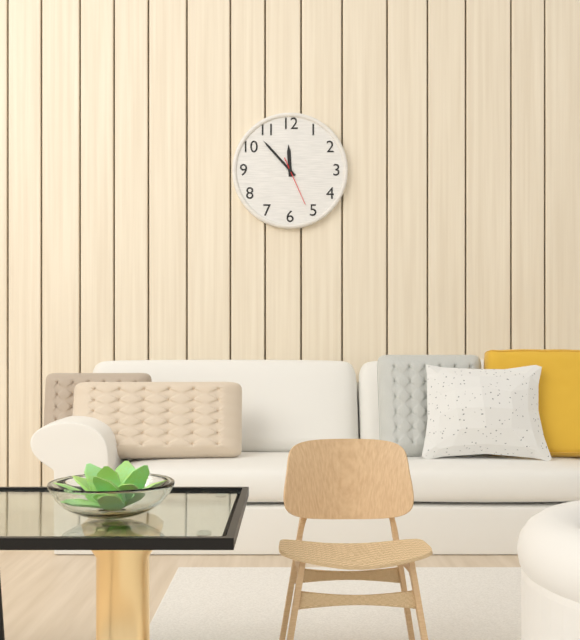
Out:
h=11 m=53
